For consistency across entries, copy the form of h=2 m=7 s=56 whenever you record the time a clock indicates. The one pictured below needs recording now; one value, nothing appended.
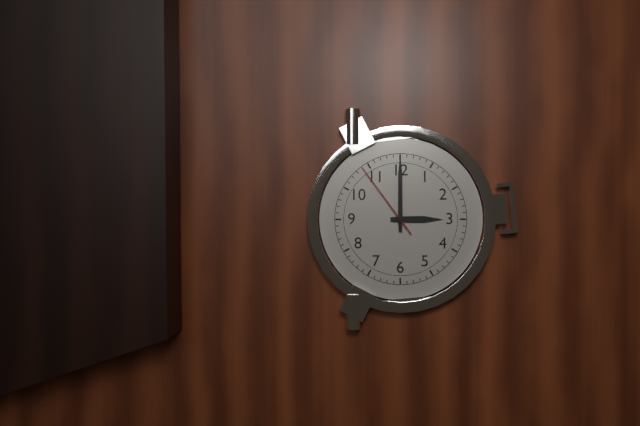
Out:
h=3 m=0 s=54
